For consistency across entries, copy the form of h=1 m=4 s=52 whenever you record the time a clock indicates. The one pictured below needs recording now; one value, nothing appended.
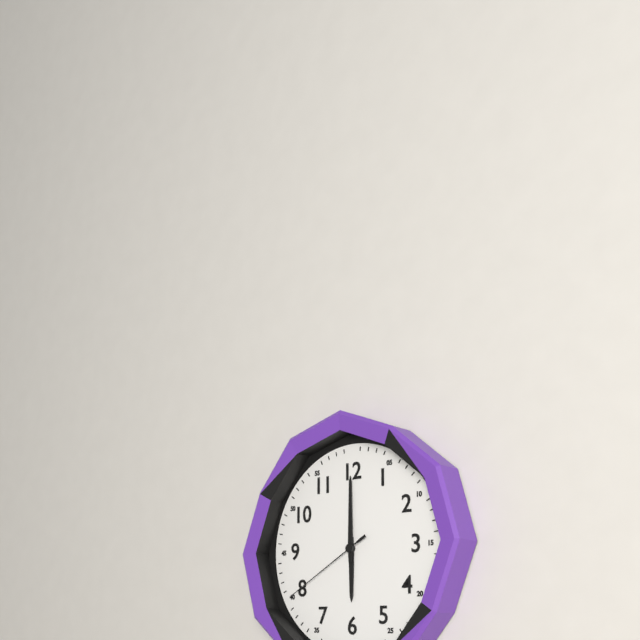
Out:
h=6 m=0 s=40
